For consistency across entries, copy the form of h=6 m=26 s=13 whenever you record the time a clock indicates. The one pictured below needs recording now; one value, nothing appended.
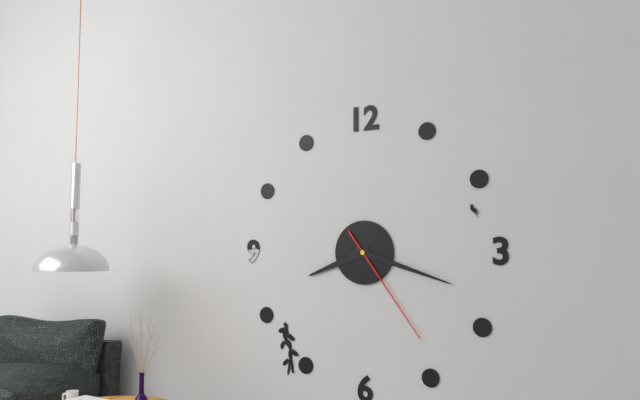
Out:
h=8 m=18 s=24
